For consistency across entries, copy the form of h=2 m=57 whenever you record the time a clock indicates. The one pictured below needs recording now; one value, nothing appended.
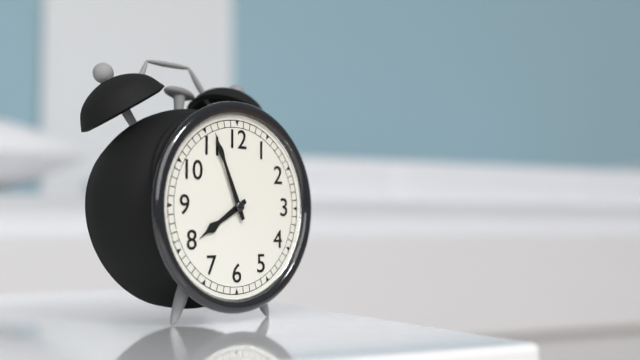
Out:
h=7 m=56
